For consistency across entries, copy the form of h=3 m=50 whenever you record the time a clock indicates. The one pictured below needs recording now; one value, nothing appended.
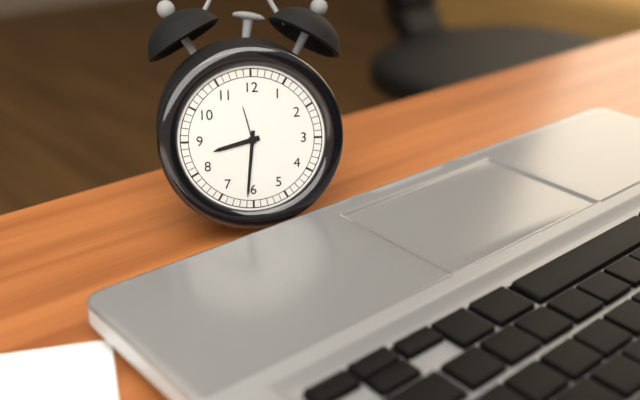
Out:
h=8 m=31
